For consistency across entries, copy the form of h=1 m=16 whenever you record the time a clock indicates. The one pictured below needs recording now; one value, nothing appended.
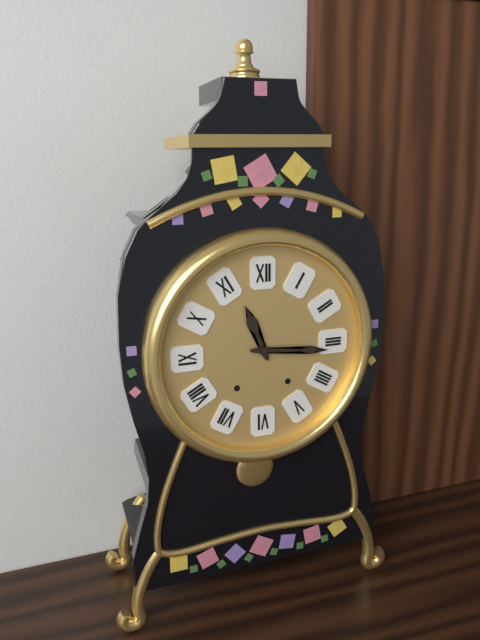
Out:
h=11 m=16
